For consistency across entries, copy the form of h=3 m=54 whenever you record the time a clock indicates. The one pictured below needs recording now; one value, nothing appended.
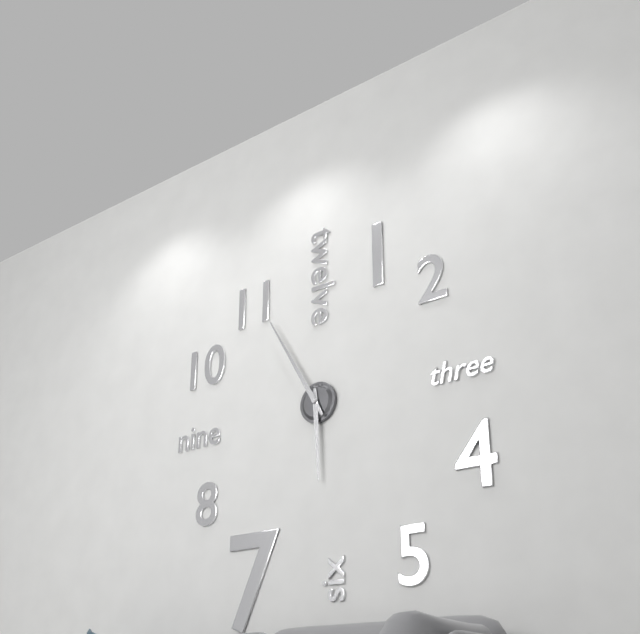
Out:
h=5 m=55
